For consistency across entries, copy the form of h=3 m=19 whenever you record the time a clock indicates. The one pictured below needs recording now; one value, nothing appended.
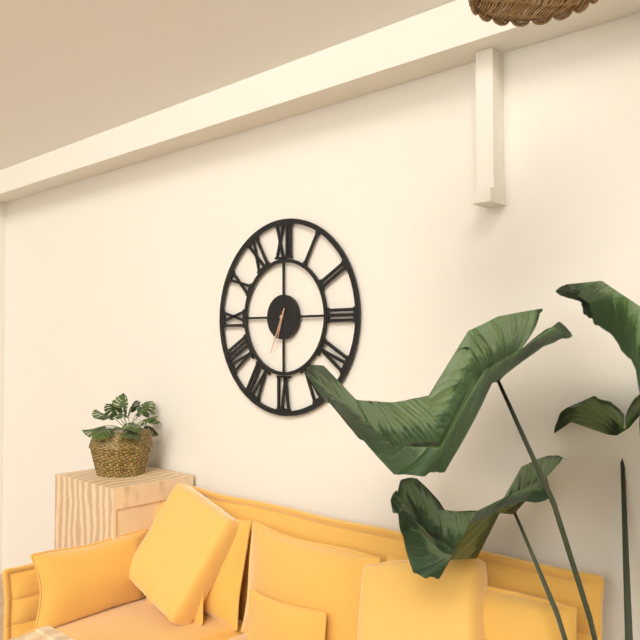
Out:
h=6 m=34
